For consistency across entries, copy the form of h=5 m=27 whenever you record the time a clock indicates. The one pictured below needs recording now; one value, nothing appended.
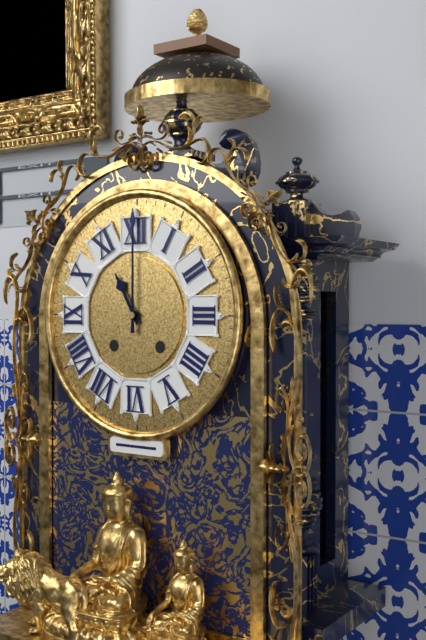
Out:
h=11 m=0
